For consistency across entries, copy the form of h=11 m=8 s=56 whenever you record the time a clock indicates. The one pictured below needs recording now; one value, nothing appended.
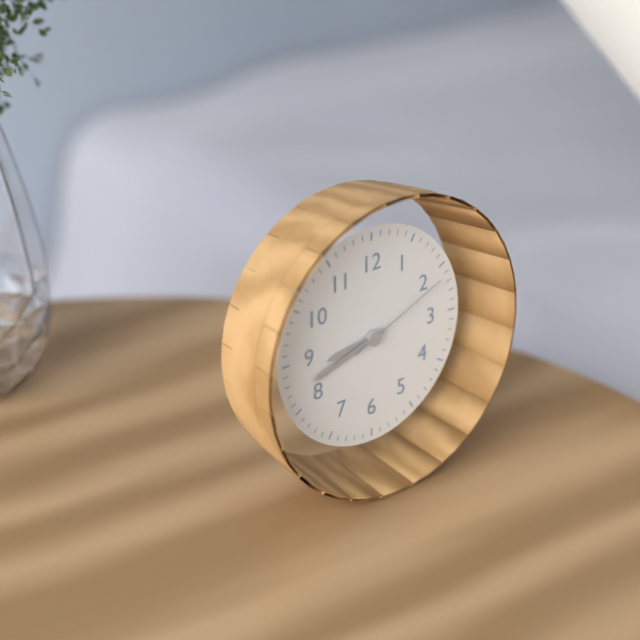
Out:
h=8 m=42 s=11
